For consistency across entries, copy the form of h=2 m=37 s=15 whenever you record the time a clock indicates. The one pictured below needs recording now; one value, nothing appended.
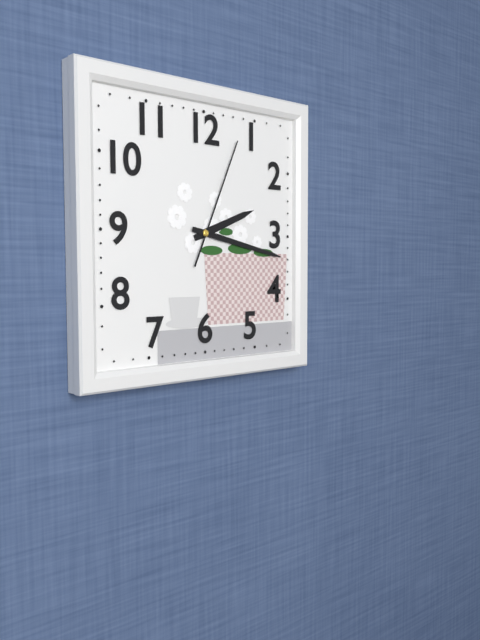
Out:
h=2 m=17 s=4
